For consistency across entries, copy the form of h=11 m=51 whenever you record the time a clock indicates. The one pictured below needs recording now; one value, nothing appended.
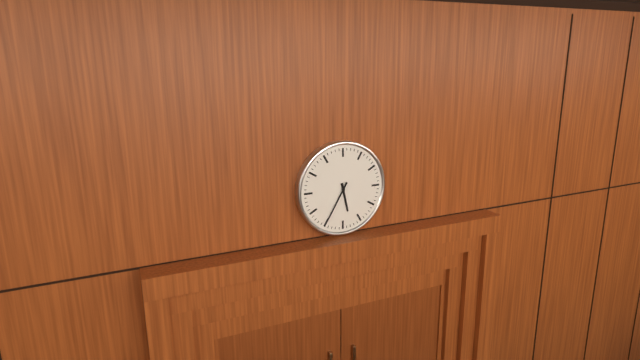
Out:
h=5 m=35
